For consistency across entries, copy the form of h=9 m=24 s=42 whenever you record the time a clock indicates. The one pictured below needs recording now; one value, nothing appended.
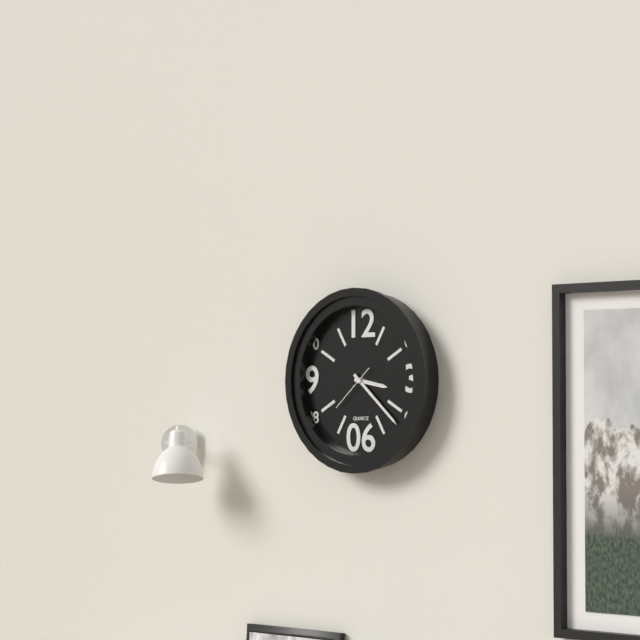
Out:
h=3 m=22 s=38
